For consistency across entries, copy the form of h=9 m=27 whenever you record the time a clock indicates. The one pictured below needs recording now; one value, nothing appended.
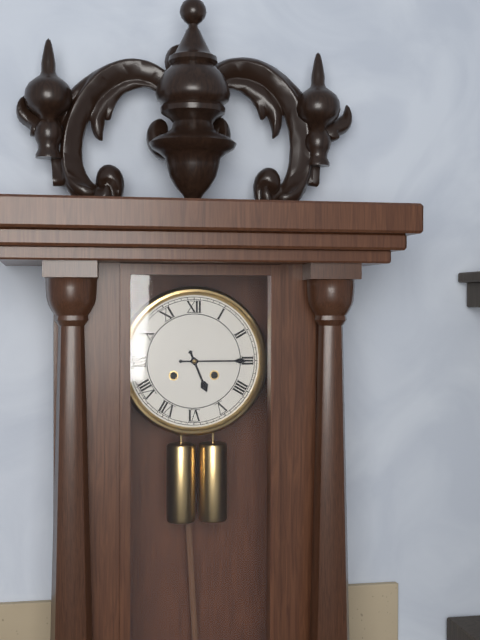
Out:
h=5 m=15
